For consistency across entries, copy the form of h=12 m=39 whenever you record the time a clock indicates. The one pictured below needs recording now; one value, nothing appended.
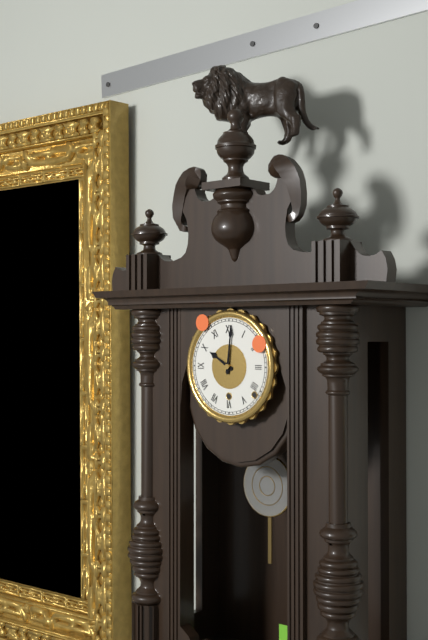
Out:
h=10 m=1
